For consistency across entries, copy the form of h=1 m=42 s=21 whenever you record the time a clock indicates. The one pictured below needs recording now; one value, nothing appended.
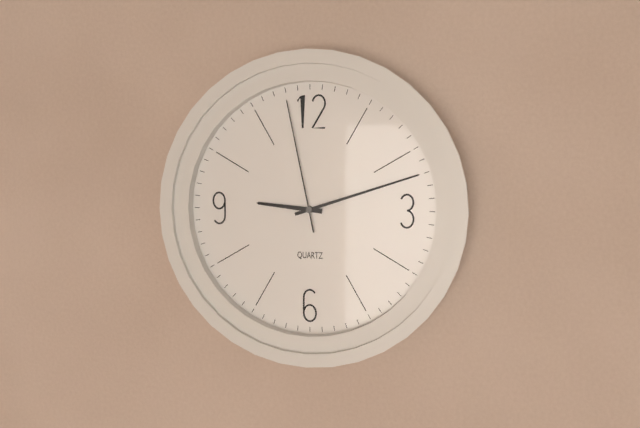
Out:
h=9 m=12 s=58
